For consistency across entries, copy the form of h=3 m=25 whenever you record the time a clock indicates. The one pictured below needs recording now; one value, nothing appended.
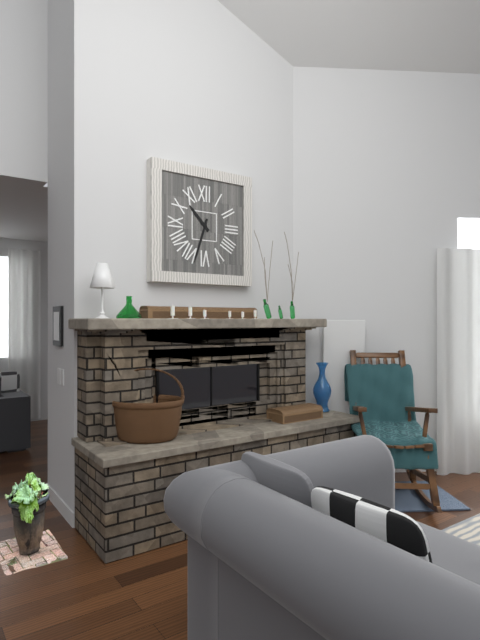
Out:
h=10 m=33
